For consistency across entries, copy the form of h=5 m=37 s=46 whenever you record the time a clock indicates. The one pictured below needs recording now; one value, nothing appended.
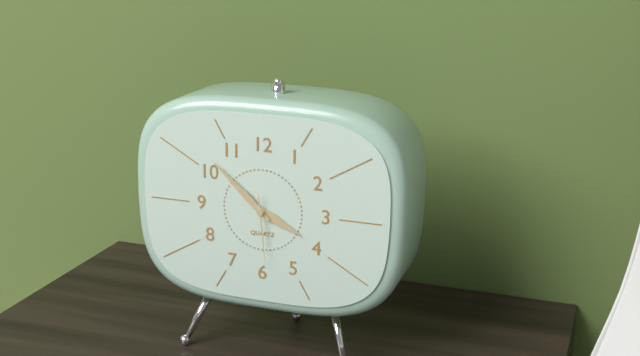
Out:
h=3 m=52 s=29
